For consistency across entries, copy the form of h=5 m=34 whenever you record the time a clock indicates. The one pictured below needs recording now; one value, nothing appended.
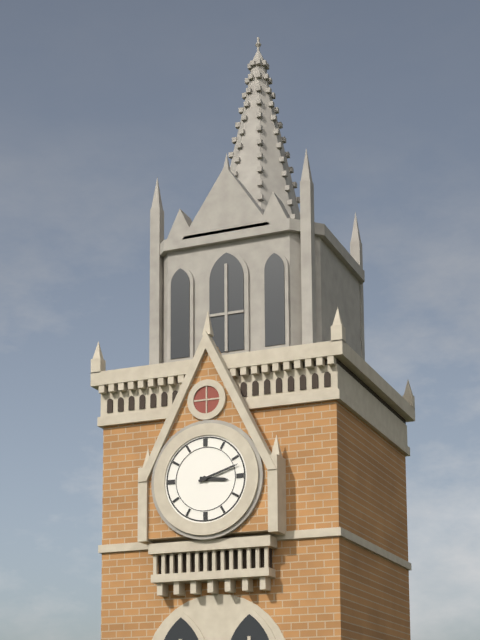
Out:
h=3 m=12
